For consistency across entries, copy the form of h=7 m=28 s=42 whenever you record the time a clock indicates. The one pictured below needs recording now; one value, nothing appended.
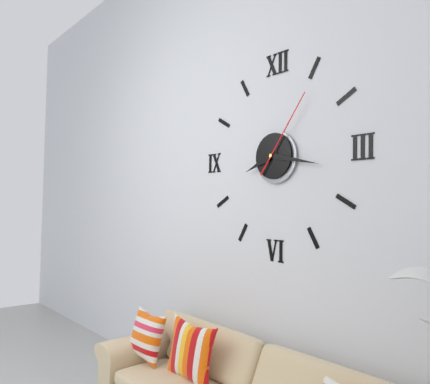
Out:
h=8 m=17 s=6
